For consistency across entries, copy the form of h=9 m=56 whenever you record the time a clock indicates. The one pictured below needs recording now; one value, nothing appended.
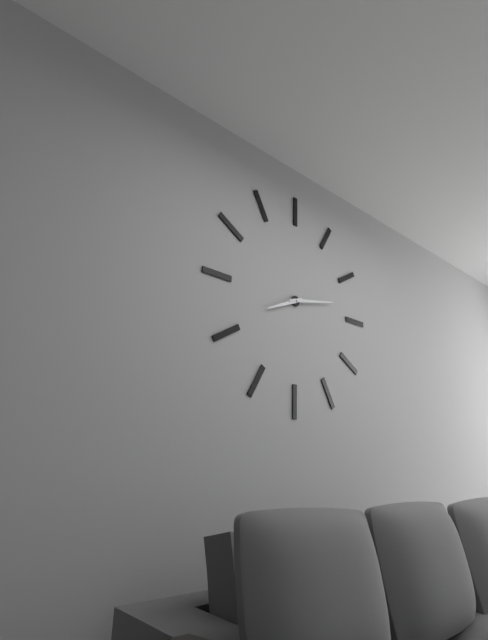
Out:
h=8 m=13
